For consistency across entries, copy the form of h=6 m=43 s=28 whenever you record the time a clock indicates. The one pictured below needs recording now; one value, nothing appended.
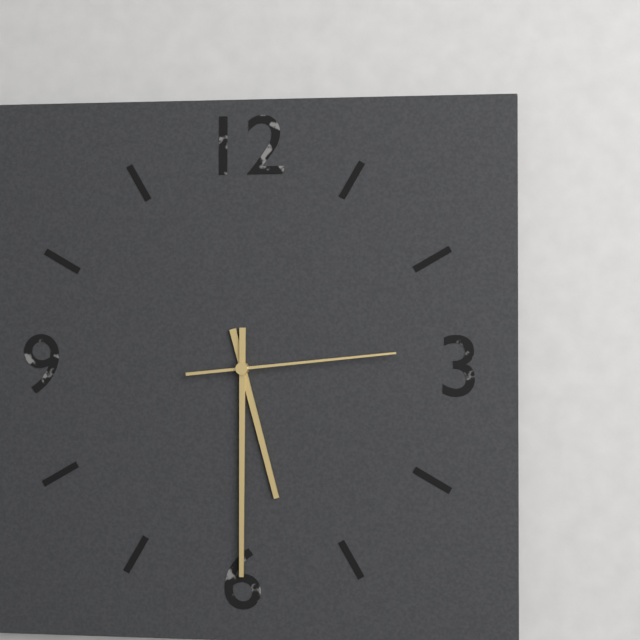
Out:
h=5 m=30 s=14
